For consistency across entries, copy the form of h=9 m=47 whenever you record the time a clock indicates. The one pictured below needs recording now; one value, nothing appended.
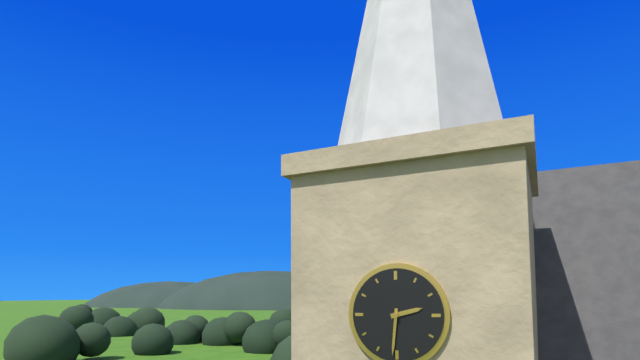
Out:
h=2 m=31
